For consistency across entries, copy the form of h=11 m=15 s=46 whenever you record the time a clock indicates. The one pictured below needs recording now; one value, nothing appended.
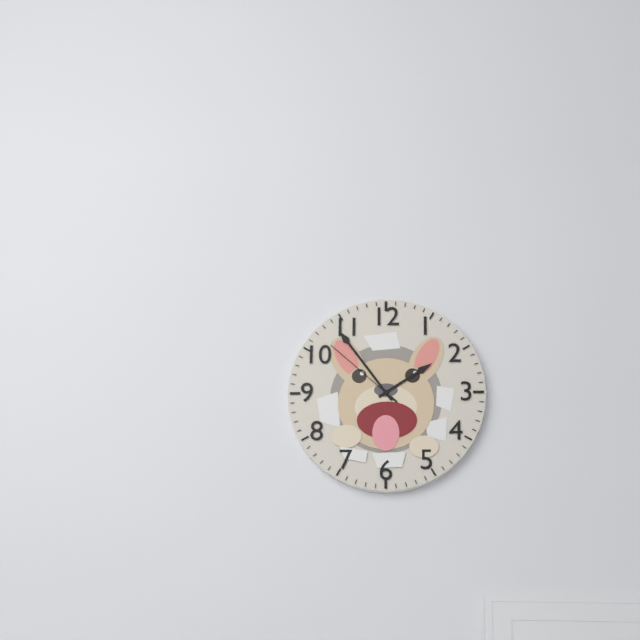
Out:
h=1 m=54 s=52
